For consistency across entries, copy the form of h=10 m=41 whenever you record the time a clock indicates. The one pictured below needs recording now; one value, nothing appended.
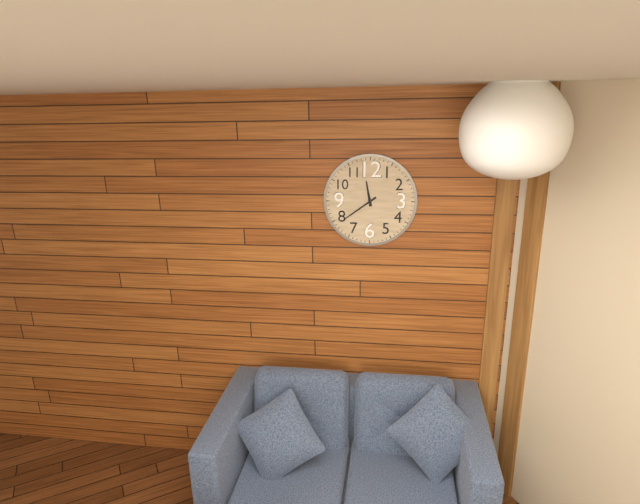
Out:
h=11 m=39
